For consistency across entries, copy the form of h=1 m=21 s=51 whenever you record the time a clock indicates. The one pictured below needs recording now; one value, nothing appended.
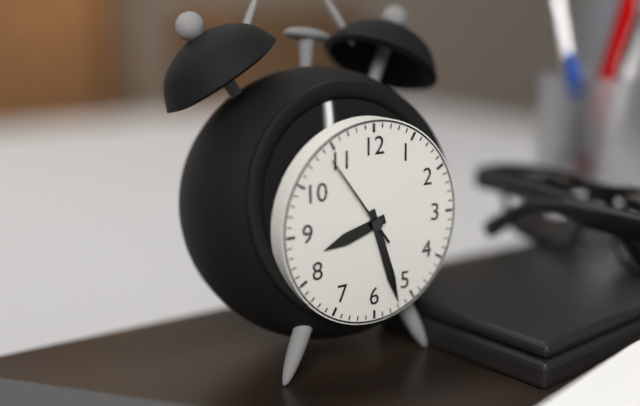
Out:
h=8 m=27 s=54
